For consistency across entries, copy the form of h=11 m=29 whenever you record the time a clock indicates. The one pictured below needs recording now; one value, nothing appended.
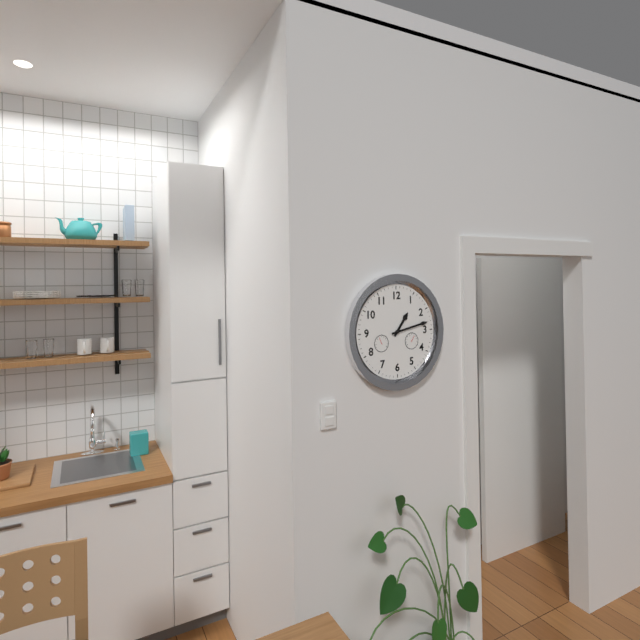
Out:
h=1 m=13
